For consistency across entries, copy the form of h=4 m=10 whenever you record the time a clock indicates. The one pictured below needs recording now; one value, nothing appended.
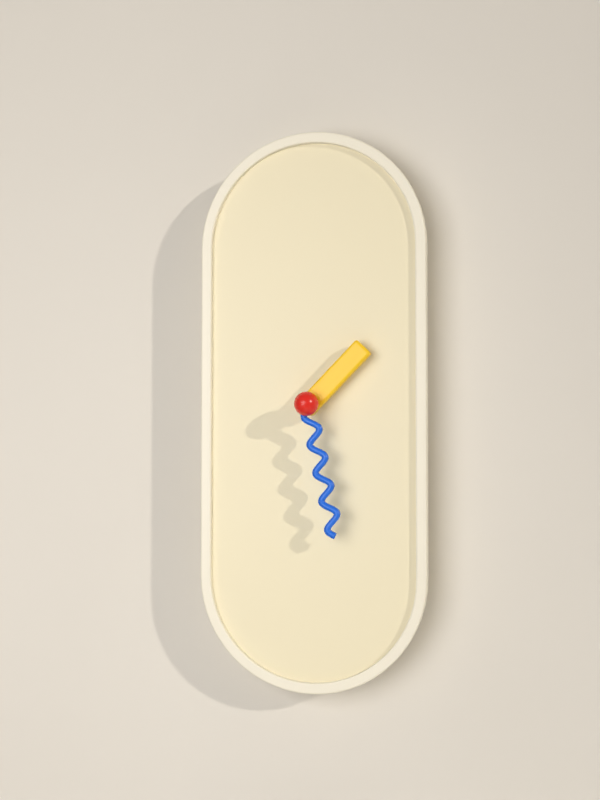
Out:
h=1 m=28
